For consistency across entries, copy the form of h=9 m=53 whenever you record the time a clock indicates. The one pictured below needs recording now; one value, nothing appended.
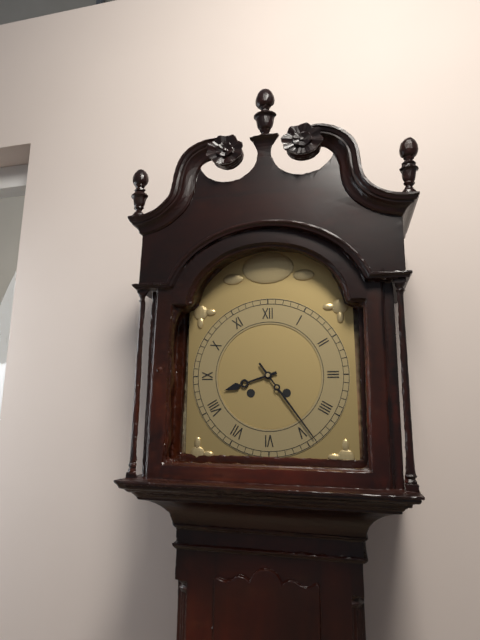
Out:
h=8 m=24
